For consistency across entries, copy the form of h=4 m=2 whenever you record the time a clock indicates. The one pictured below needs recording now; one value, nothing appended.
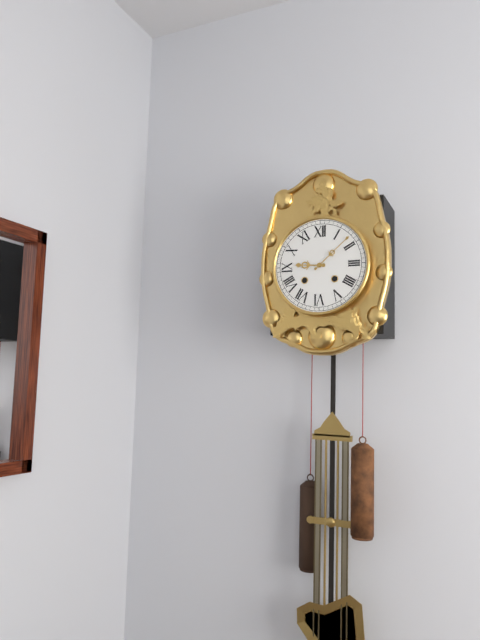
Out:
h=9 m=8
